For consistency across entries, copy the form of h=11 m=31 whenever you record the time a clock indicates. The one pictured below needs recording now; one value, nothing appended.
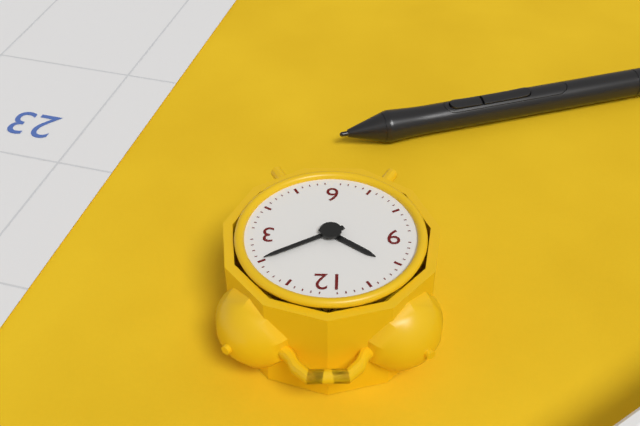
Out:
h=10 m=10
